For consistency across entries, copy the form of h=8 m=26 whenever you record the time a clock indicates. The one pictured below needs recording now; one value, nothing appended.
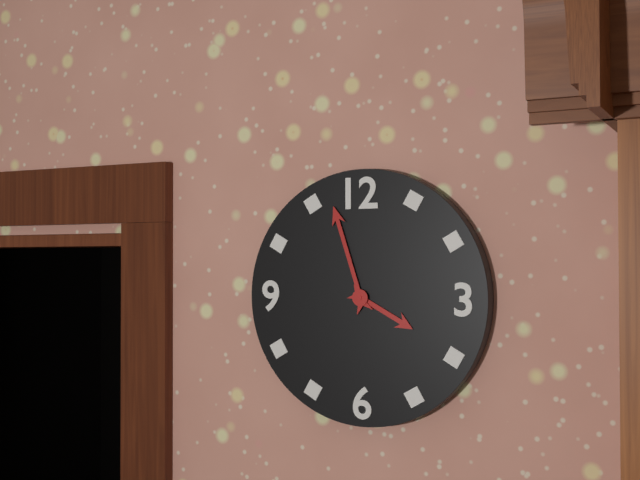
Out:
h=3 m=57
